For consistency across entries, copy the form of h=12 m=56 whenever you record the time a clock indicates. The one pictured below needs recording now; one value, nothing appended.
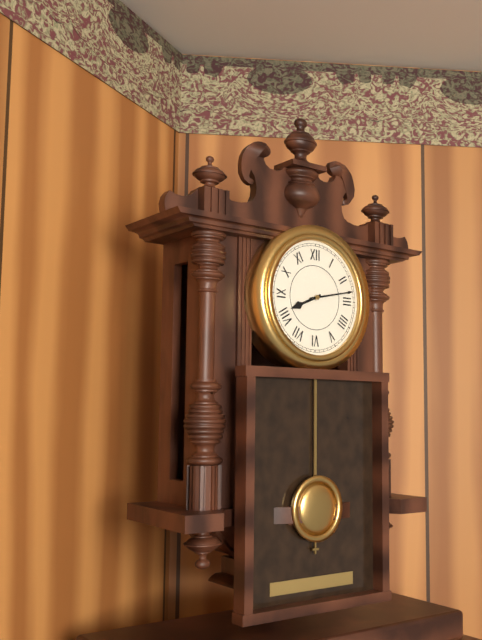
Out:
h=8 m=13
